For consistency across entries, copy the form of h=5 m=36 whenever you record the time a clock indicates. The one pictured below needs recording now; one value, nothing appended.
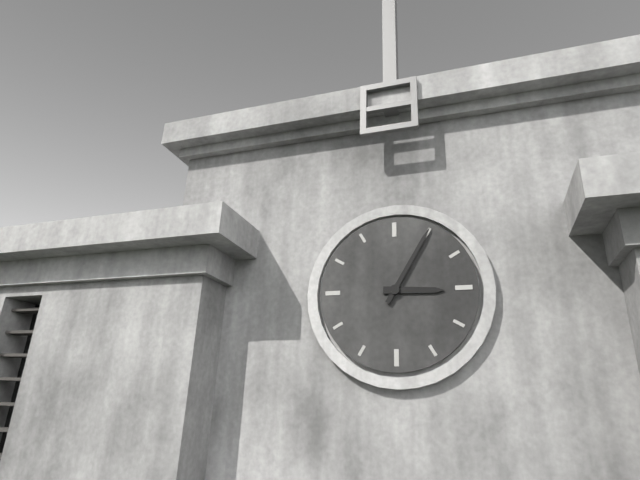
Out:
h=3 m=5
